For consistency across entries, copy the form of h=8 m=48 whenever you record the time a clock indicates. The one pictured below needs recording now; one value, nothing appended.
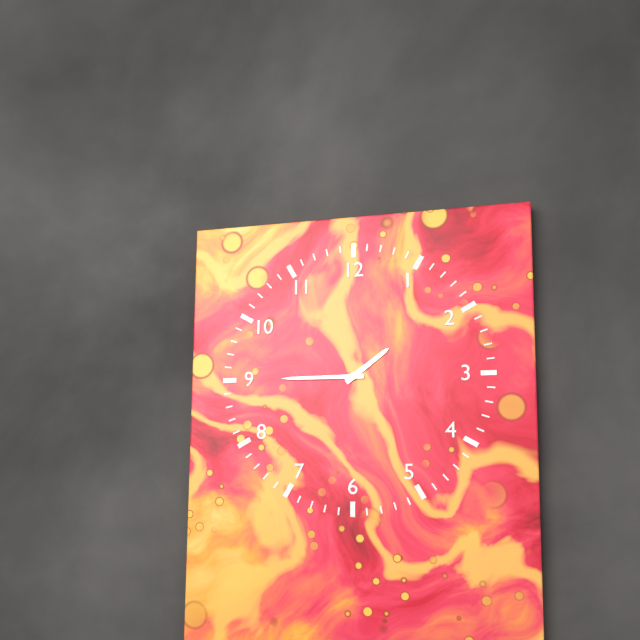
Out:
h=1 m=45
